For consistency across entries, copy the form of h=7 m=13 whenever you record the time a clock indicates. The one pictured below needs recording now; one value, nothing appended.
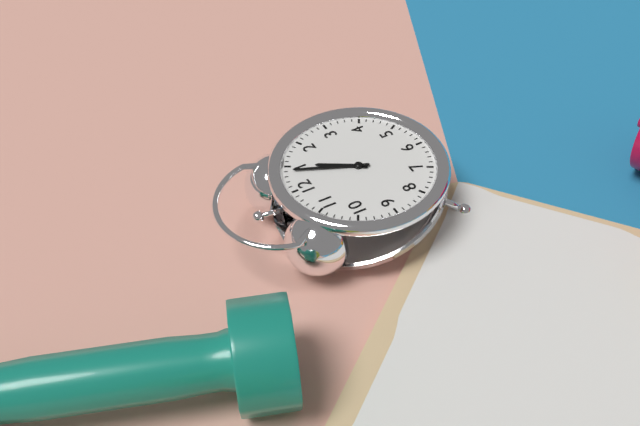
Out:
h=1 m=4
